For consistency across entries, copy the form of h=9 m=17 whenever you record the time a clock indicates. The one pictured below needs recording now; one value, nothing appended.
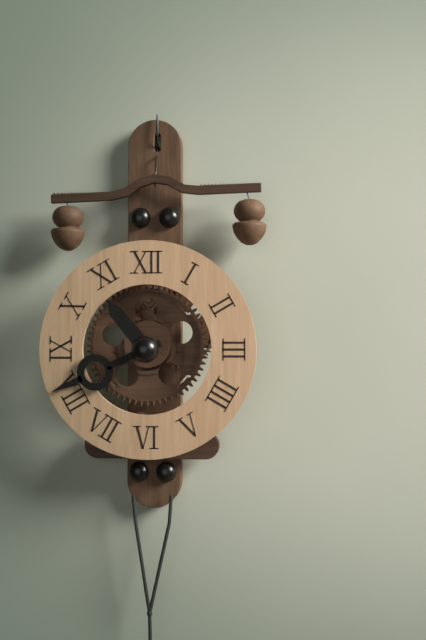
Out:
h=10 m=41
